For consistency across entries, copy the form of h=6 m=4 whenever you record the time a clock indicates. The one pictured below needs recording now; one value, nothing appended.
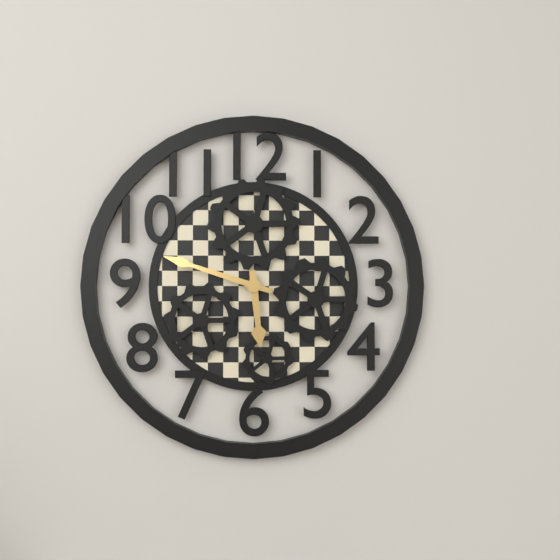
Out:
h=5 m=48
